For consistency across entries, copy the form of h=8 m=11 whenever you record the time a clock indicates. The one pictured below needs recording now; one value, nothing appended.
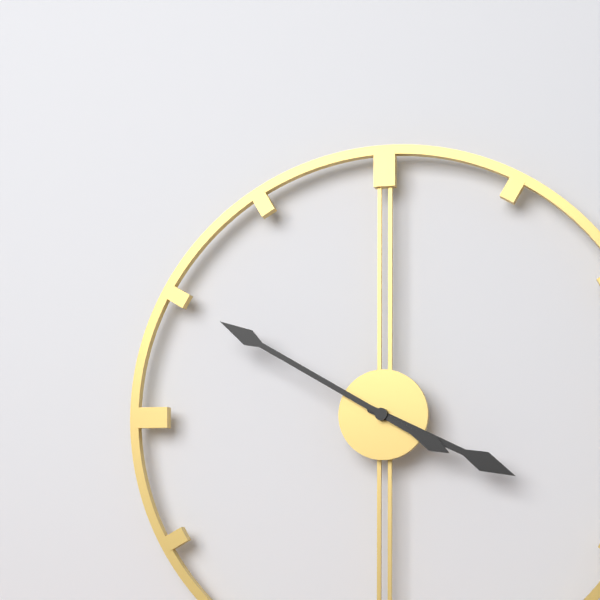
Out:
h=3 m=50
